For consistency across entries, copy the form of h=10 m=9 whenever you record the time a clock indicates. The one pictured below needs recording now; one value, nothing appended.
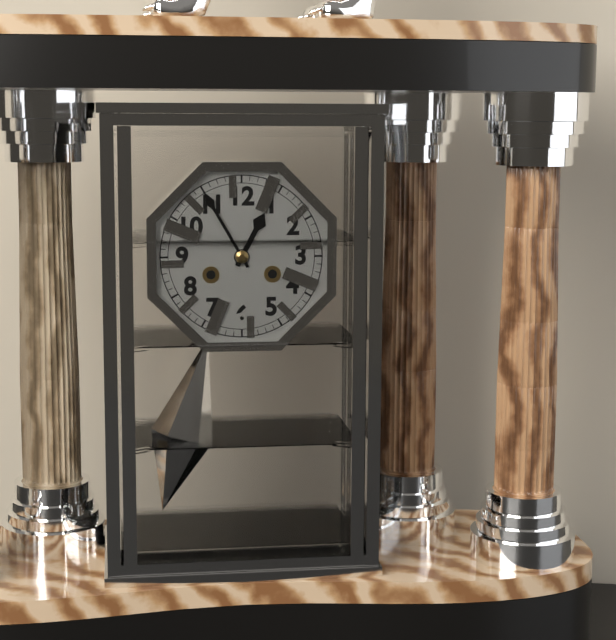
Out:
h=12 m=55
